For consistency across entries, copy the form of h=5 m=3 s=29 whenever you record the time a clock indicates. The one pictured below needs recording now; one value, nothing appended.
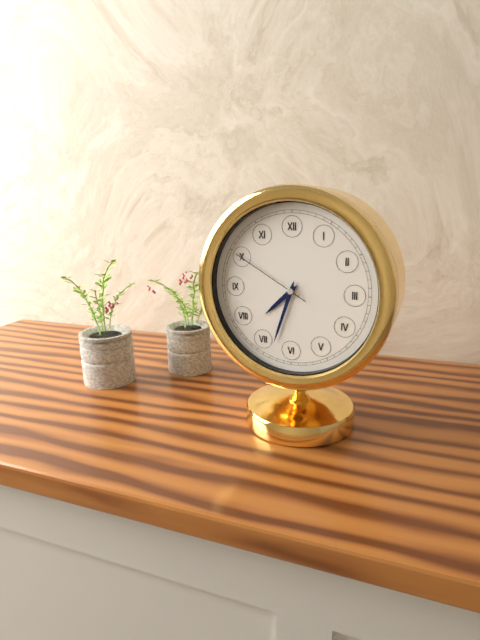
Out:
h=7 m=33 s=50
